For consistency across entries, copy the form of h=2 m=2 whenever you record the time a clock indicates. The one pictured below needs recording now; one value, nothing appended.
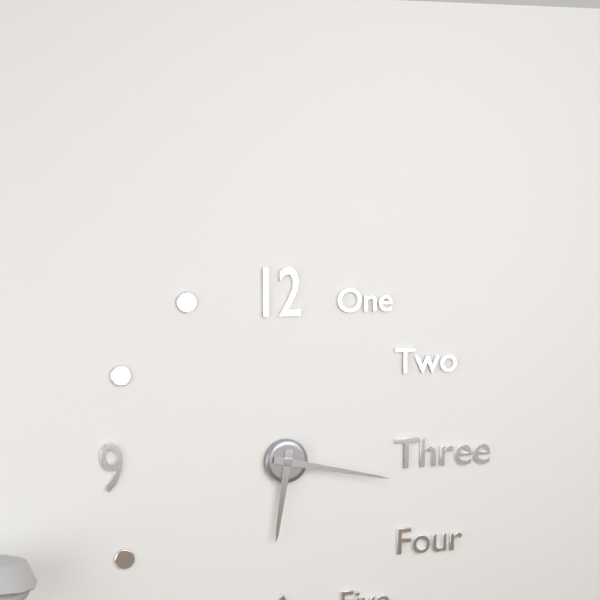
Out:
h=6 m=17
